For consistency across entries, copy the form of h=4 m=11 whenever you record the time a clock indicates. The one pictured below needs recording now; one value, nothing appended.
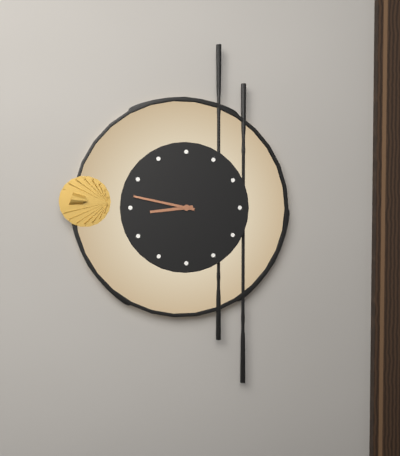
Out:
h=8 m=47
